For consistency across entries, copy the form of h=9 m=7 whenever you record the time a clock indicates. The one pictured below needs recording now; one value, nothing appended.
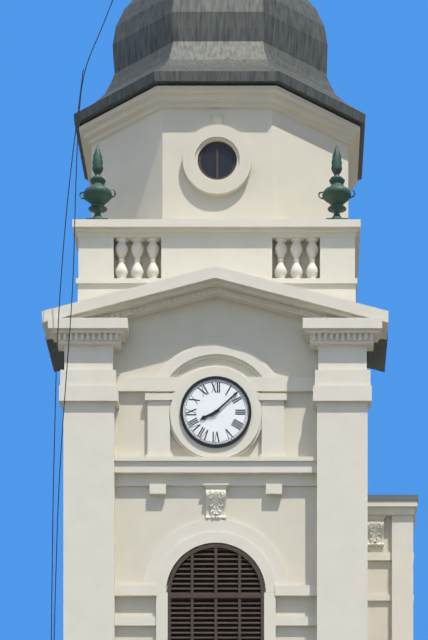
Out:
h=8 m=8
